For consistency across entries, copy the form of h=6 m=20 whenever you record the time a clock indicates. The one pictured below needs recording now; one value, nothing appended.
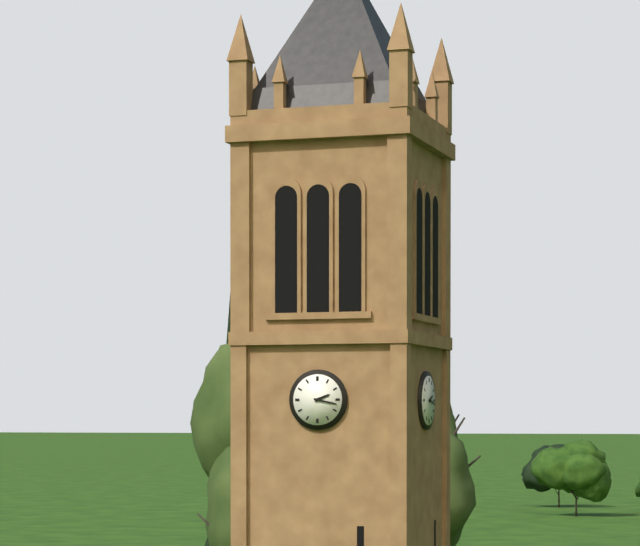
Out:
h=2 m=17
